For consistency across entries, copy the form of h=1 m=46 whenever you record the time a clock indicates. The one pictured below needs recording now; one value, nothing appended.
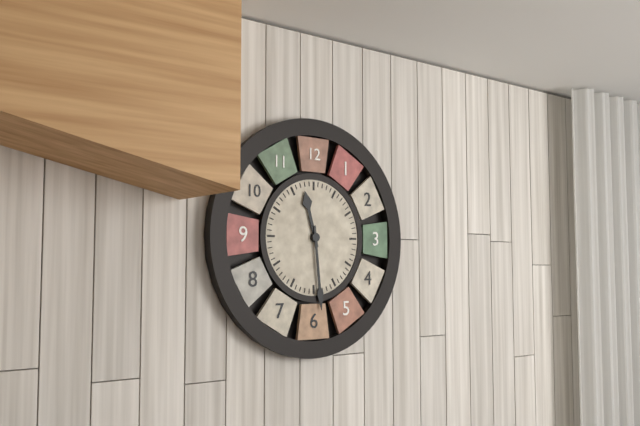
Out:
h=11 m=29
